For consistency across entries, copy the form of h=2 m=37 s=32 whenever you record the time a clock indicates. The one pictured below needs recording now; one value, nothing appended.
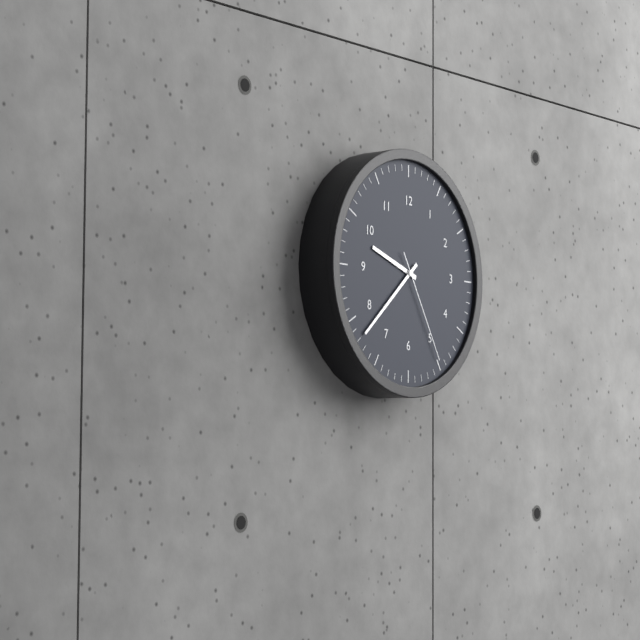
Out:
h=9 m=38 s=25
